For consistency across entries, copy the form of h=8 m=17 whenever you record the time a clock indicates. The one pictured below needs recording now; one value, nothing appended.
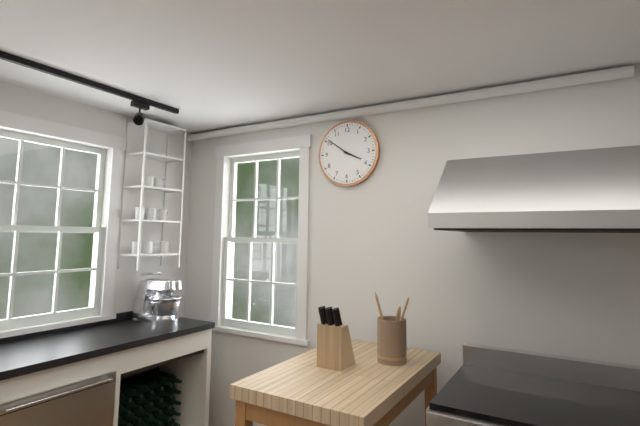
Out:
h=3 m=51
